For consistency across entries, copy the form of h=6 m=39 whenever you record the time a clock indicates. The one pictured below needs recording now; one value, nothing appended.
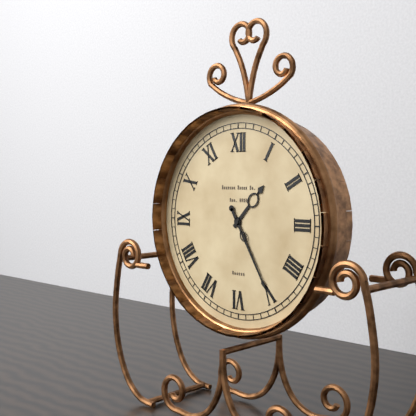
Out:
h=1 m=25
